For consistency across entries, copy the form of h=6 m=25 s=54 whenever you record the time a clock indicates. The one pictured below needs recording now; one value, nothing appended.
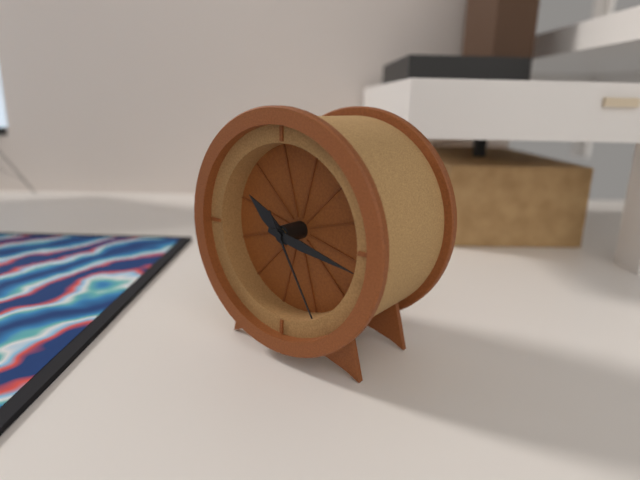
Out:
h=10 m=17 s=25
